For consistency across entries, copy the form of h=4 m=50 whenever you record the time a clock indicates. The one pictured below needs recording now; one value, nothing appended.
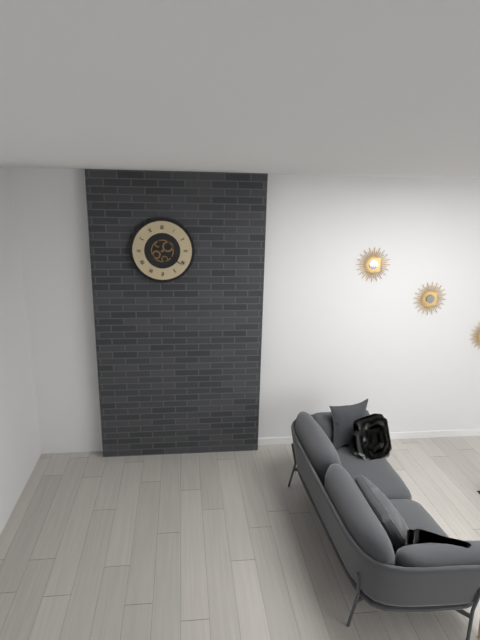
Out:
h=11 m=21
